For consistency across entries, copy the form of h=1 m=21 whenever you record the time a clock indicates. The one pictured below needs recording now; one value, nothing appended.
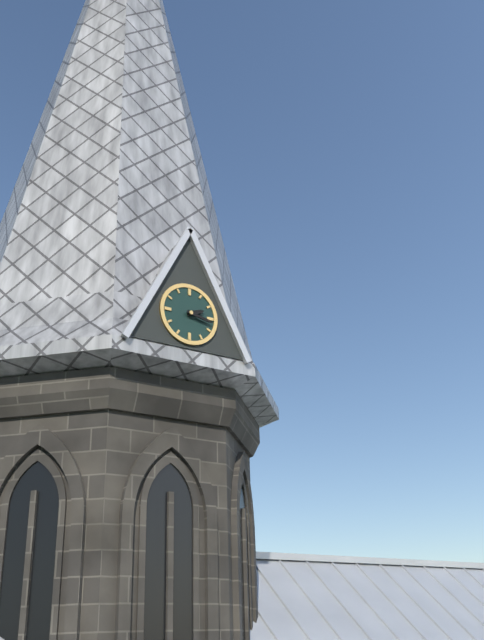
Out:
h=2 m=17
